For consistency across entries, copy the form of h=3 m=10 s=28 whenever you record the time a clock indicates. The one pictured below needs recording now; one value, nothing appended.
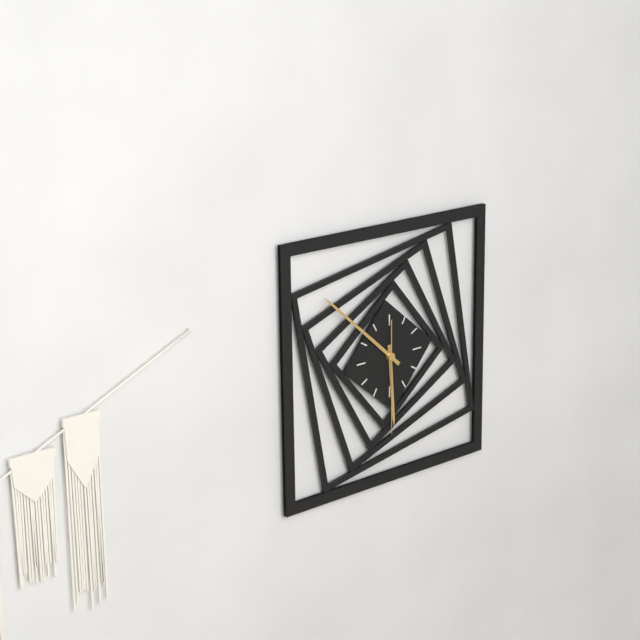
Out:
h=5 m=52 s=30
